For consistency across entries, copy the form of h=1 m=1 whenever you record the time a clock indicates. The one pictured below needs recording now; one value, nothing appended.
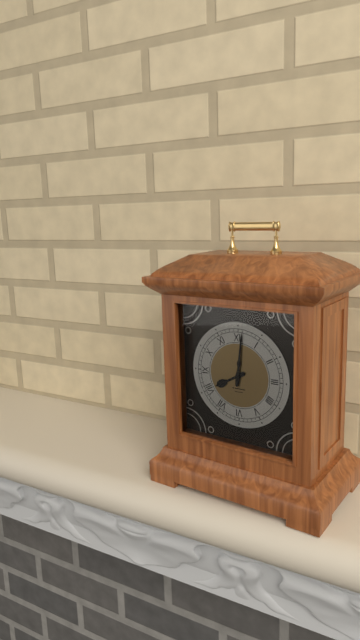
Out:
h=8 m=1
